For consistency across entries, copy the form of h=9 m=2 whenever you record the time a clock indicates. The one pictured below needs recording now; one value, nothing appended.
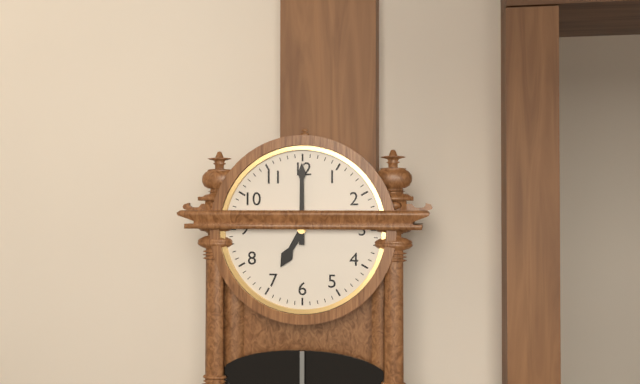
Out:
h=7 m=0
